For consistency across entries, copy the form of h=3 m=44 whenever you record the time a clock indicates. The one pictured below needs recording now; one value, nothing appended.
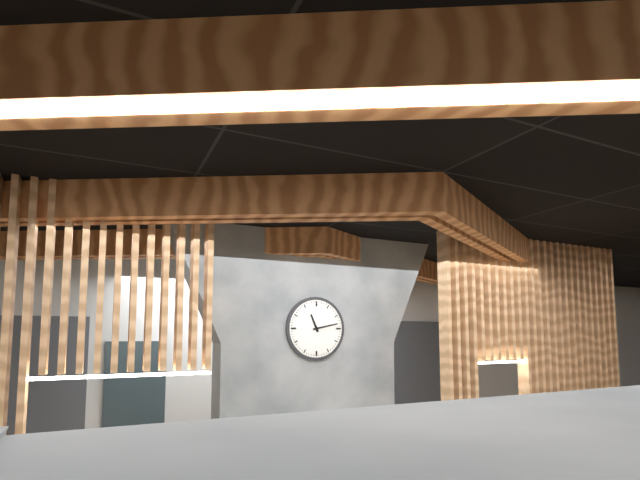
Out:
h=11 m=13
